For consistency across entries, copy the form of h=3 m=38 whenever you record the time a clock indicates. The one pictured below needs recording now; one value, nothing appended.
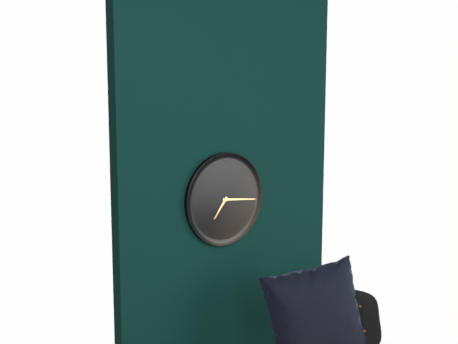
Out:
h=7 m=16
